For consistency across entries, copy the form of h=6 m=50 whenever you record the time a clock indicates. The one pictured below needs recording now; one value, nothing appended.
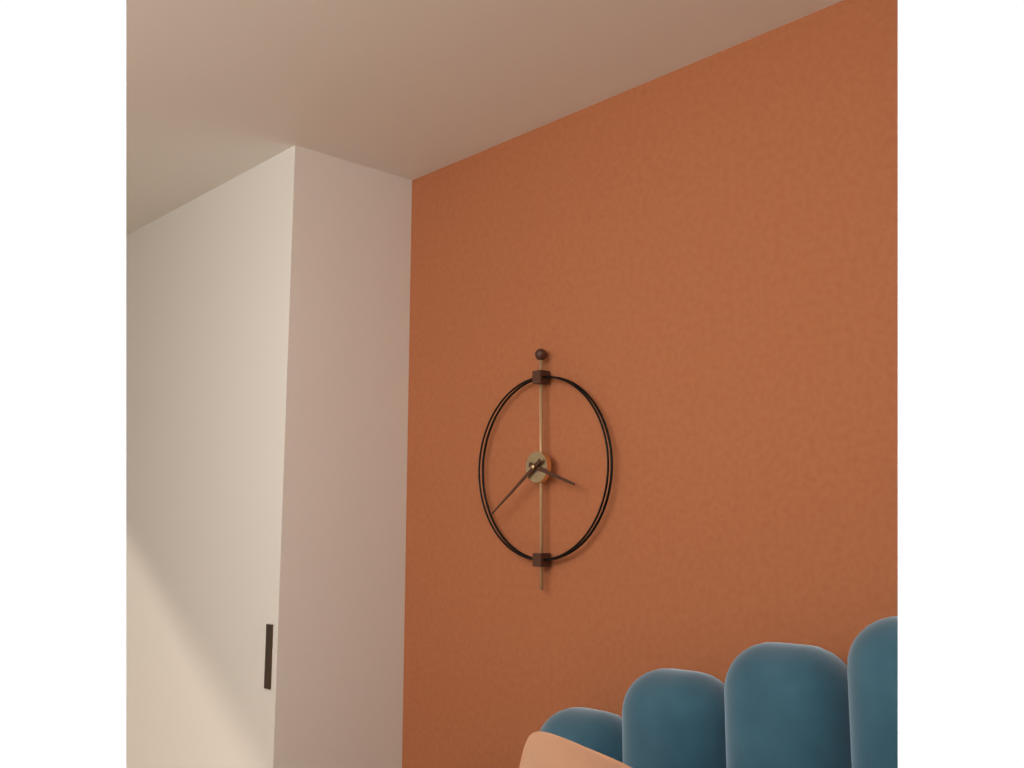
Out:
h=3 m=39
